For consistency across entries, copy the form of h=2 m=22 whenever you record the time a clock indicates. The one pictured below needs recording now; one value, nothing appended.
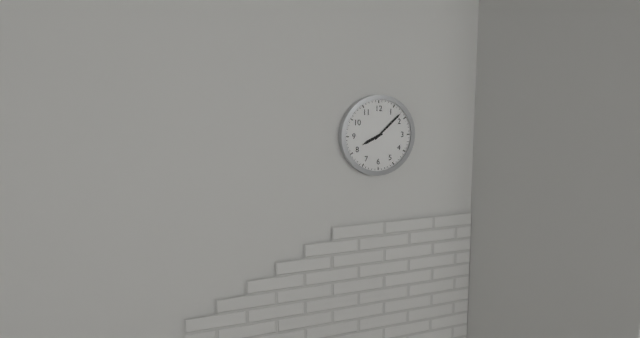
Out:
h=8 m=8
